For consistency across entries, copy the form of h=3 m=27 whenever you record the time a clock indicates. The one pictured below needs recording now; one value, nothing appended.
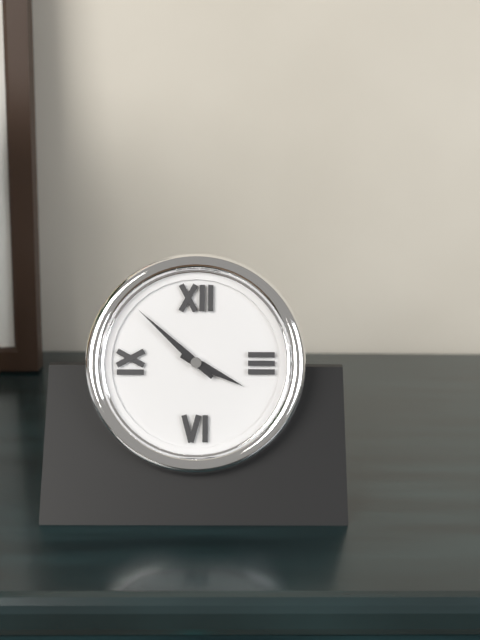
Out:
h=3 m=52
